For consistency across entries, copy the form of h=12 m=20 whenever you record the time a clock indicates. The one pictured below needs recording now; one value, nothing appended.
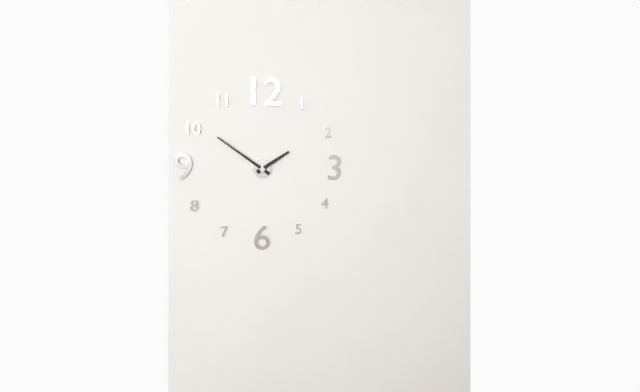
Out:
h=1 m=51
